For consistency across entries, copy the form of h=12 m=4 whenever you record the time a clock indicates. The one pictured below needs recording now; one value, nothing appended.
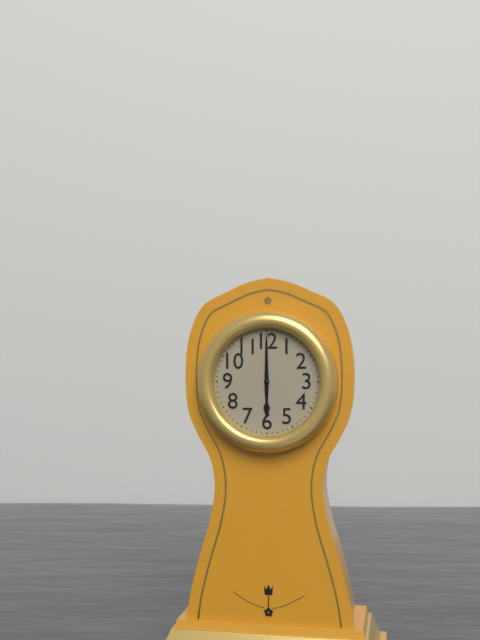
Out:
h=6 m=0
